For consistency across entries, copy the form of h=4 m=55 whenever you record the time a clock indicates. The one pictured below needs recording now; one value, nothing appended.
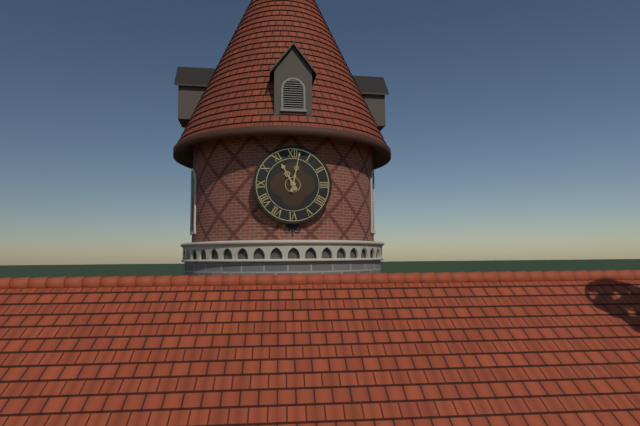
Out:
h=11 m=2
